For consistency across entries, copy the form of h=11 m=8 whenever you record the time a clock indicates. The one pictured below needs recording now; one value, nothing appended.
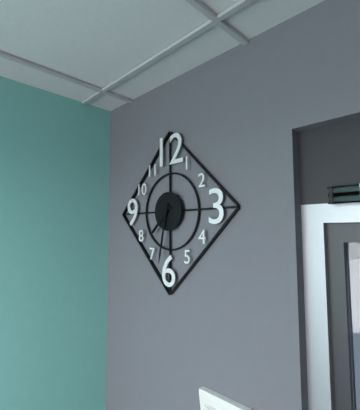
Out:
h=7 m=32
